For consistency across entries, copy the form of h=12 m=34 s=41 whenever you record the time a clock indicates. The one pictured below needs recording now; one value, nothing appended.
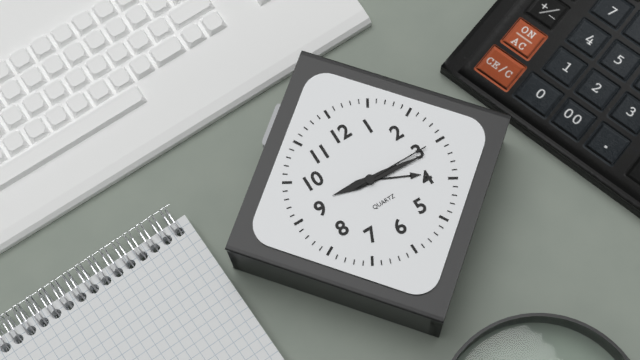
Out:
h=9 m=16 s=15
